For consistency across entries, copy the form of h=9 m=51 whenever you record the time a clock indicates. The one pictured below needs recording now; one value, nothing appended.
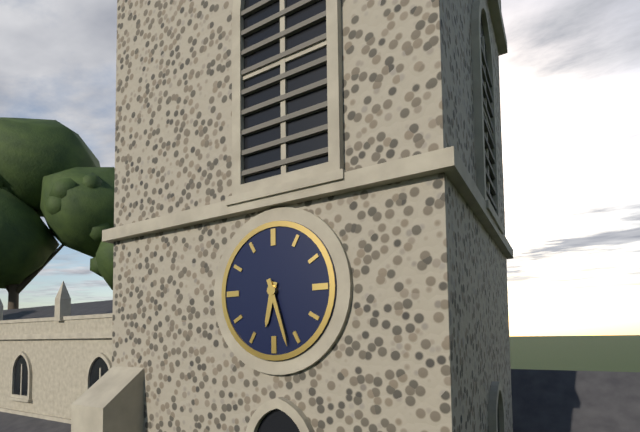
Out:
h=6 m=27
